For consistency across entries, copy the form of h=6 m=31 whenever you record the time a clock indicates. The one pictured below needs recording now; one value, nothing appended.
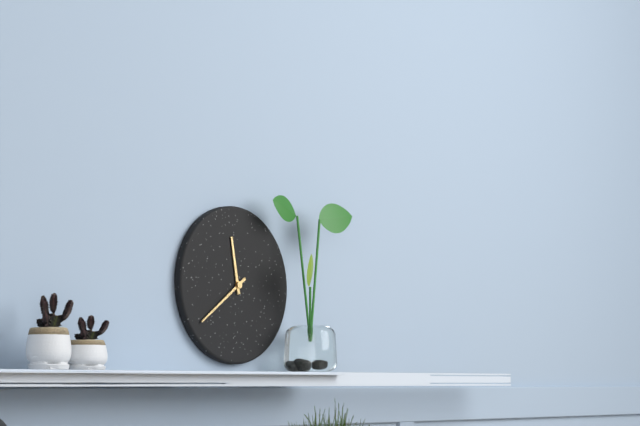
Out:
h=11 m=39
